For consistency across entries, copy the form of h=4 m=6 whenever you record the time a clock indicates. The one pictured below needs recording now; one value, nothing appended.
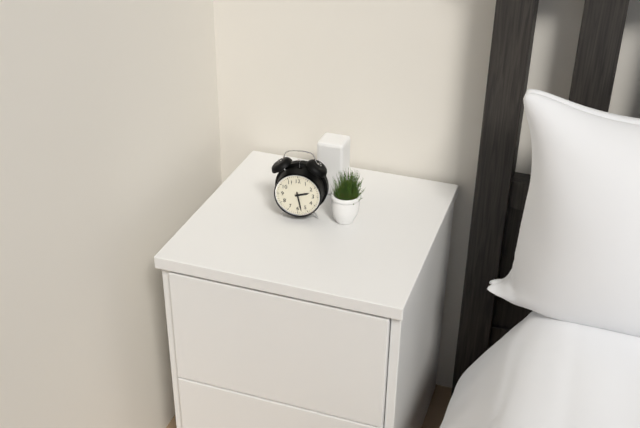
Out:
h=2 m=28
